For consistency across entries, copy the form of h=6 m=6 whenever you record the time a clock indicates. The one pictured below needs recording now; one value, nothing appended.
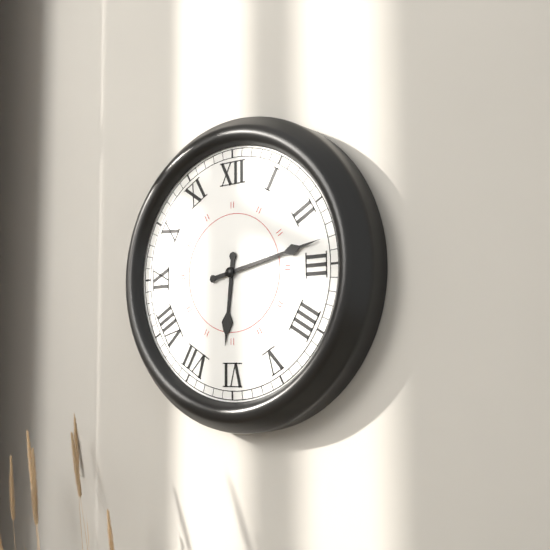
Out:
h=6 m=13
